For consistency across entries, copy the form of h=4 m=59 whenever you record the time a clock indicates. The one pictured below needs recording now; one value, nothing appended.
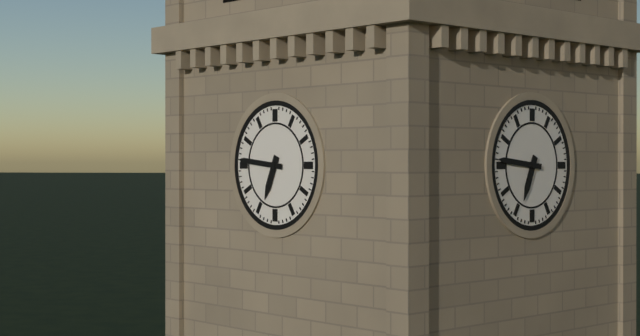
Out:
h=6 m=46
